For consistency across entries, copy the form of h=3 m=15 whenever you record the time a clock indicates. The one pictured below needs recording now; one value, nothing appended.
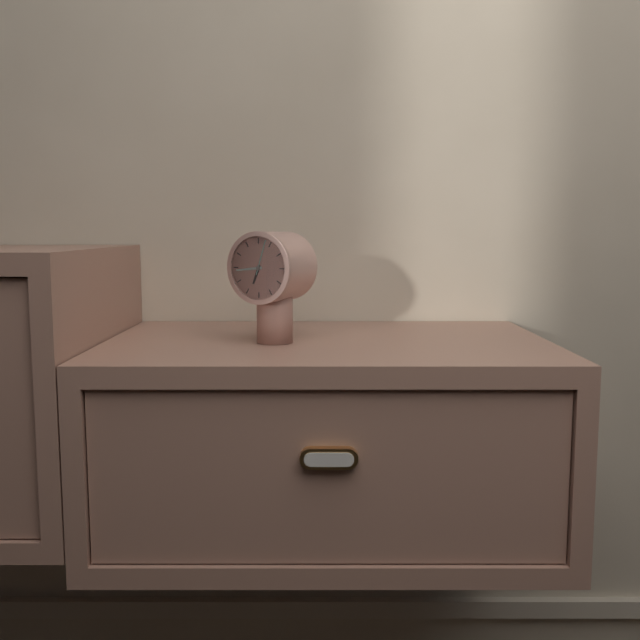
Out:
h=6 m=44
